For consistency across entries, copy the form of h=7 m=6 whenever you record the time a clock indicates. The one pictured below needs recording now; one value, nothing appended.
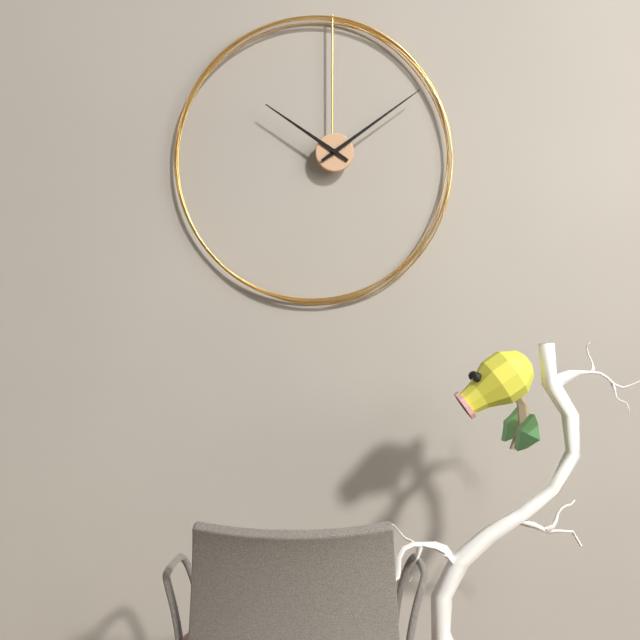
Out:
h=10 m=9
